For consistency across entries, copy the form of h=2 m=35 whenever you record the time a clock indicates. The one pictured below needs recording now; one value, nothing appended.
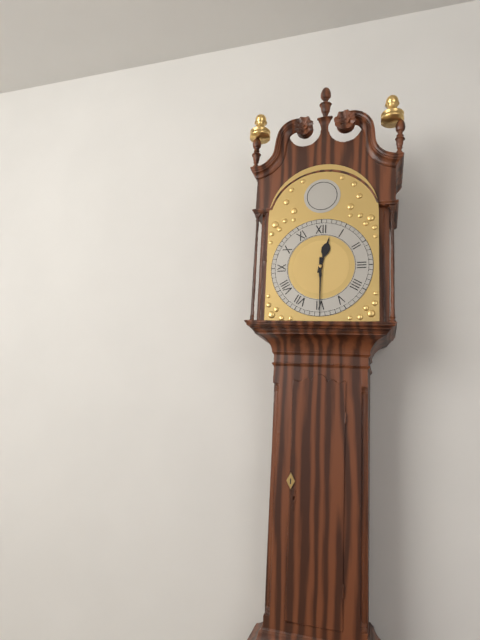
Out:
h=12 m=30
